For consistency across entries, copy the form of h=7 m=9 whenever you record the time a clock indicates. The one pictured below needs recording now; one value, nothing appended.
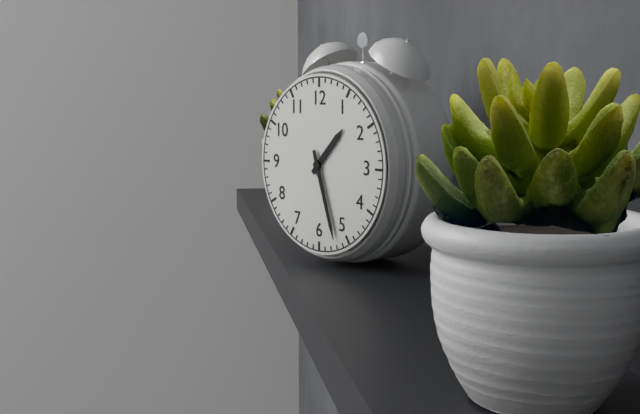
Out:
h=1 m=27
